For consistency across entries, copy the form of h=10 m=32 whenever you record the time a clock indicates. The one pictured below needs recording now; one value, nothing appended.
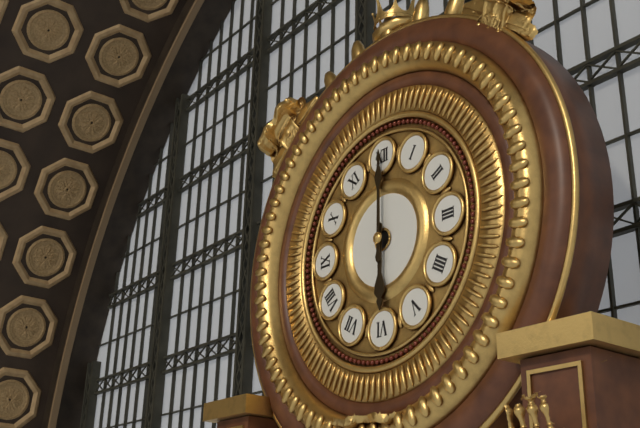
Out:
h=6 m=0
